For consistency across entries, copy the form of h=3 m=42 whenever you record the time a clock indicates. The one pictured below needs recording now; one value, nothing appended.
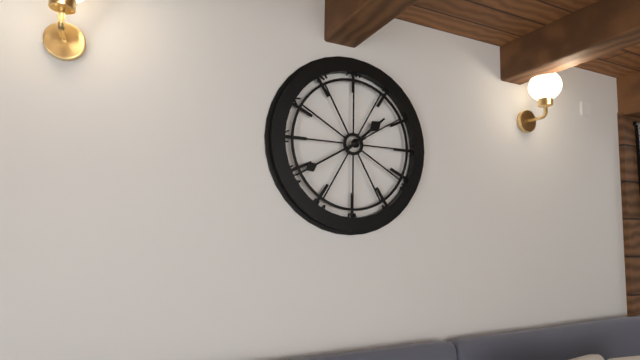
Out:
h=1 m=40
